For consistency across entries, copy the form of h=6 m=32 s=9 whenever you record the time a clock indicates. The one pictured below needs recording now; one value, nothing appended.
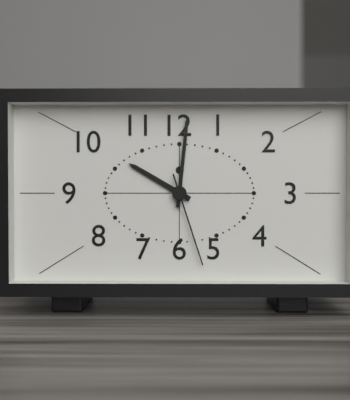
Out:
h=10 m=1 s=27
